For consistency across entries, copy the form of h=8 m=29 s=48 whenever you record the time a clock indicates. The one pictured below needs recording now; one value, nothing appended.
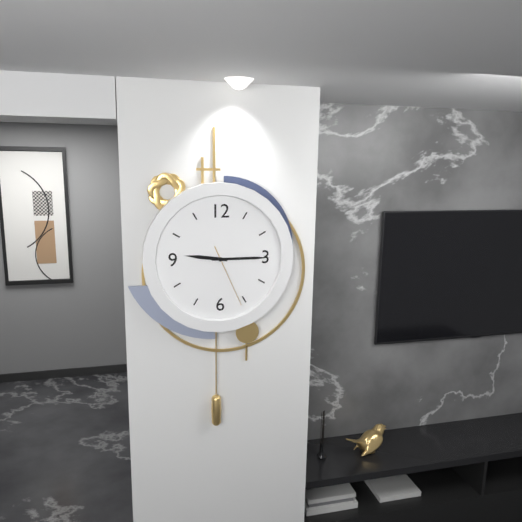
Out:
h=9 m=15 s=26
